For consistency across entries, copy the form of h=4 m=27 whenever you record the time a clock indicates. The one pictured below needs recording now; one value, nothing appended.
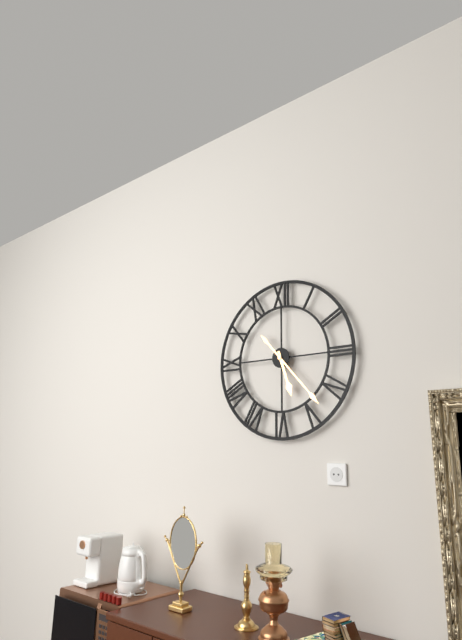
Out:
h=5 m=23
